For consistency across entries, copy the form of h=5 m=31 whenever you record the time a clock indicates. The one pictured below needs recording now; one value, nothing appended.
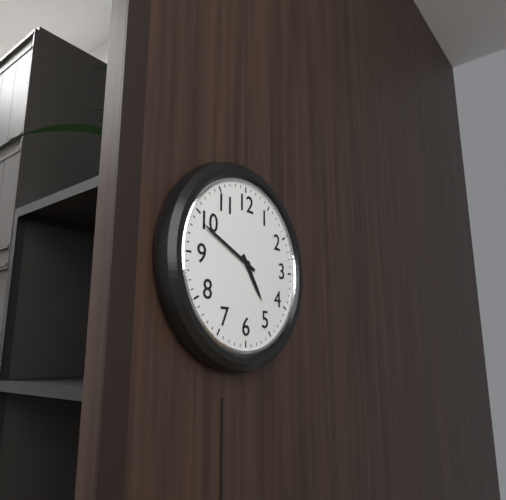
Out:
h=4 m=49
